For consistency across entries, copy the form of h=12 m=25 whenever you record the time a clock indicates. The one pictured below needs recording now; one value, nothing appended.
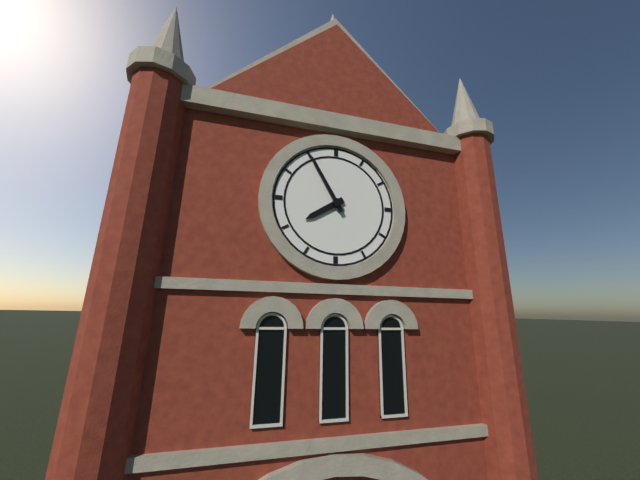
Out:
h=7 m=55
